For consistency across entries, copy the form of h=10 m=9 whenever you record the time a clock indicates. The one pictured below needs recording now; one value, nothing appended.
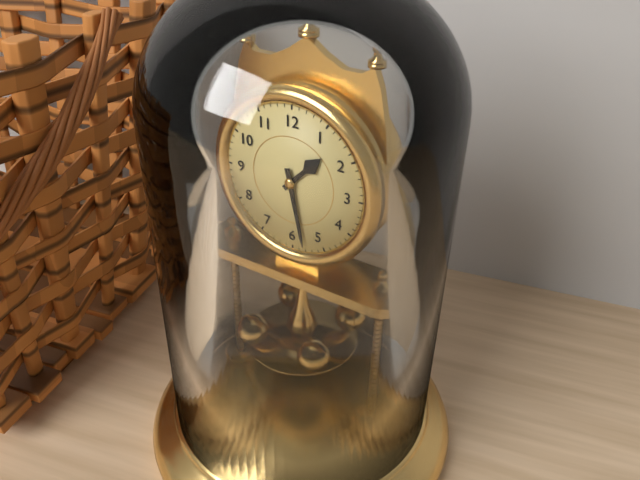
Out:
h=1 m=28
